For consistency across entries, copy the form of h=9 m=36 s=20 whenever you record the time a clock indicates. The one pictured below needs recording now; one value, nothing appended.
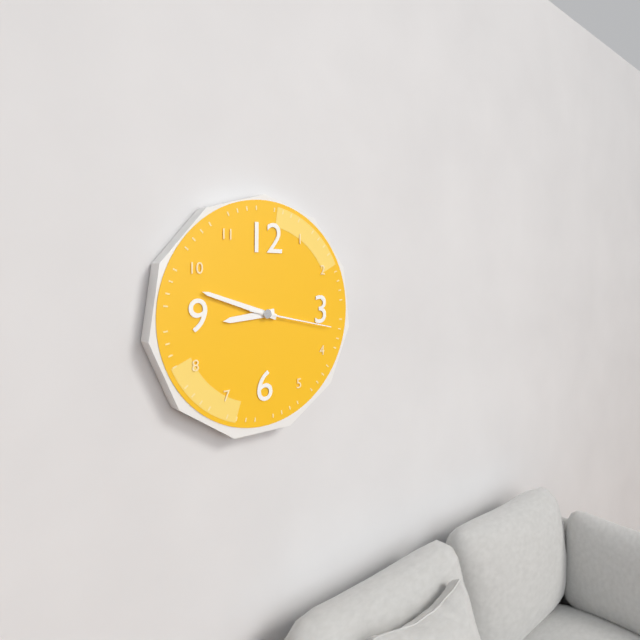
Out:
h=8 m=48 s=17
